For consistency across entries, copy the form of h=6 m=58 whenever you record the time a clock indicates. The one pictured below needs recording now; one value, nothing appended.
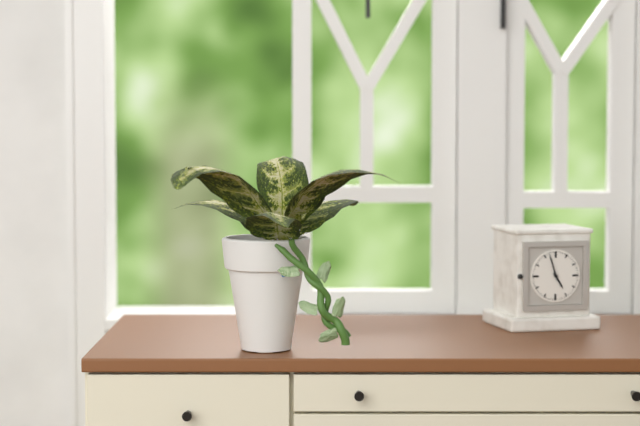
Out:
h=4 m=57
